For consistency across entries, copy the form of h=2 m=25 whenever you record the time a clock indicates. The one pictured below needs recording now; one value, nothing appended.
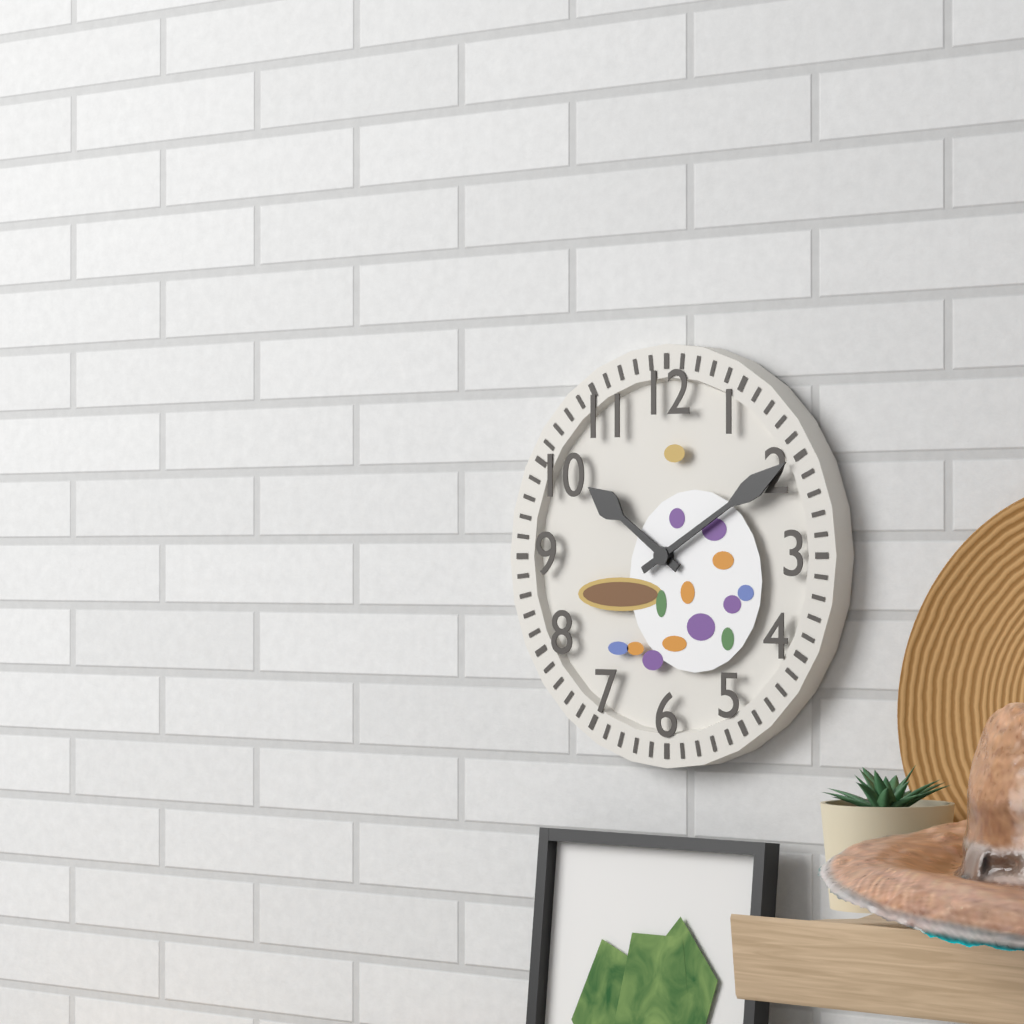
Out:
h=10 m=10
